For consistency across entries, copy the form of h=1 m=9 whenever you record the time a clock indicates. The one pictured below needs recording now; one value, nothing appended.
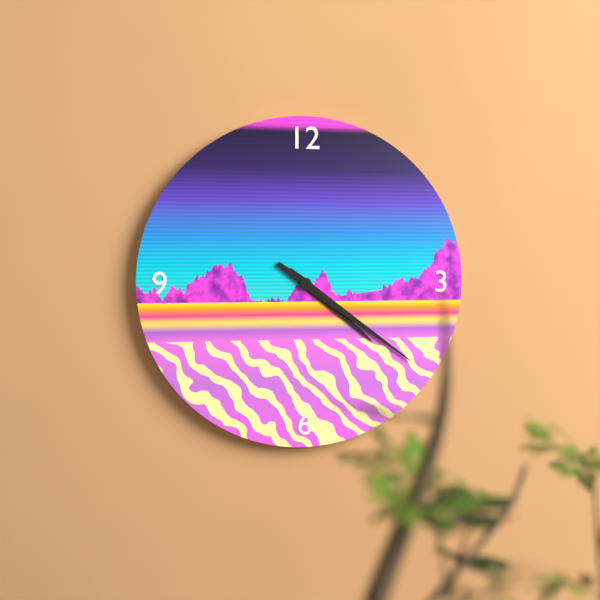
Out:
h=4 m=21
